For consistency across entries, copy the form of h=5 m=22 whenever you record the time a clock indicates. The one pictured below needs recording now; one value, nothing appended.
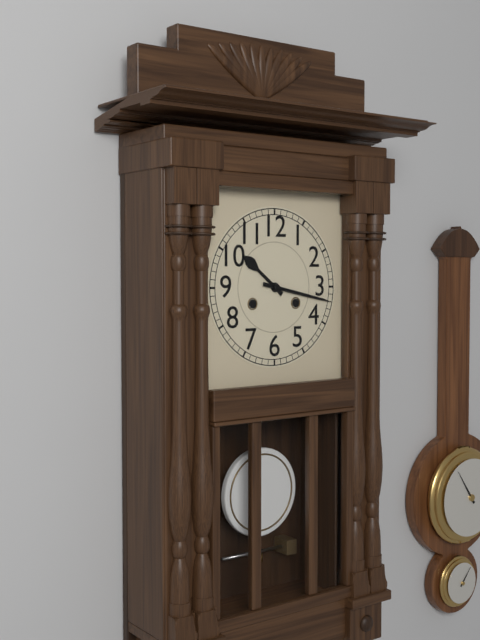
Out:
h=10 m=17
